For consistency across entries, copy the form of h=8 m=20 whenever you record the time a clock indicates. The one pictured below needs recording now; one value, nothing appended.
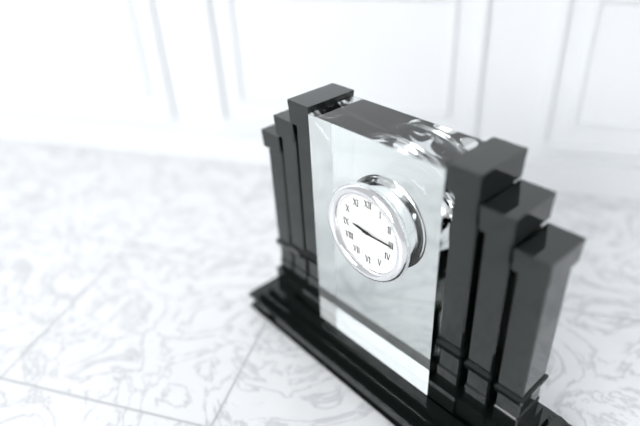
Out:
h=9 m=15
